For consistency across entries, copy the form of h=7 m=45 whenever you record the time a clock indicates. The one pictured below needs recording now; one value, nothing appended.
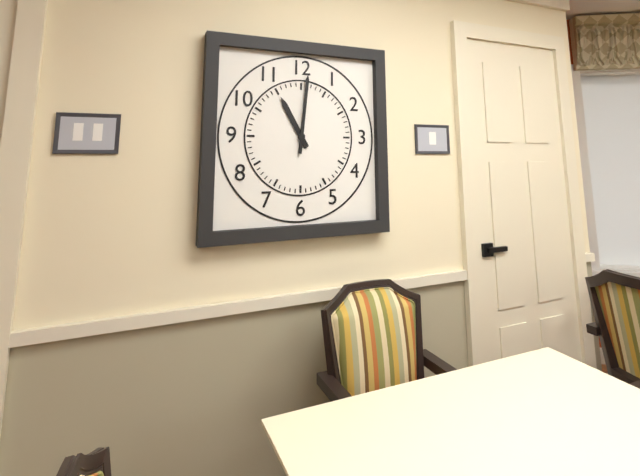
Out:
h=11 m=1
